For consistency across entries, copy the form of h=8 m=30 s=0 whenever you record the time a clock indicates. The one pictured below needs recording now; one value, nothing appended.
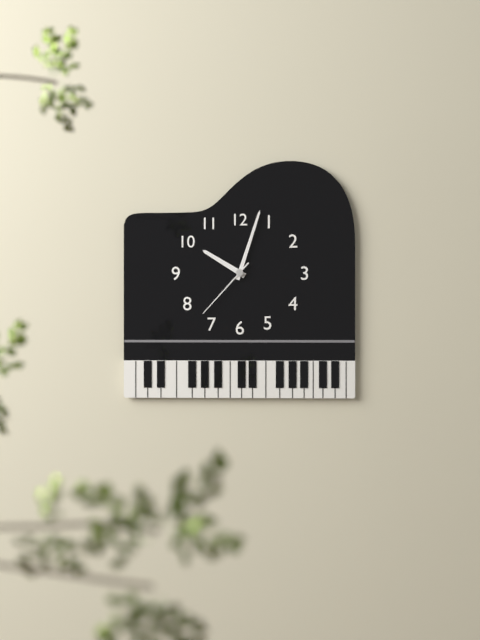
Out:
h=10 m=3 s=37
